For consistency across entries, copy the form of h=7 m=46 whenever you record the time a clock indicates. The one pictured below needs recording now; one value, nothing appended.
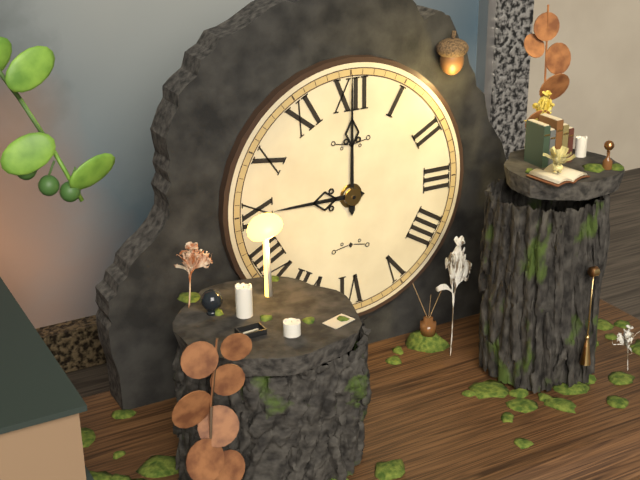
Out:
h=9 m=0
